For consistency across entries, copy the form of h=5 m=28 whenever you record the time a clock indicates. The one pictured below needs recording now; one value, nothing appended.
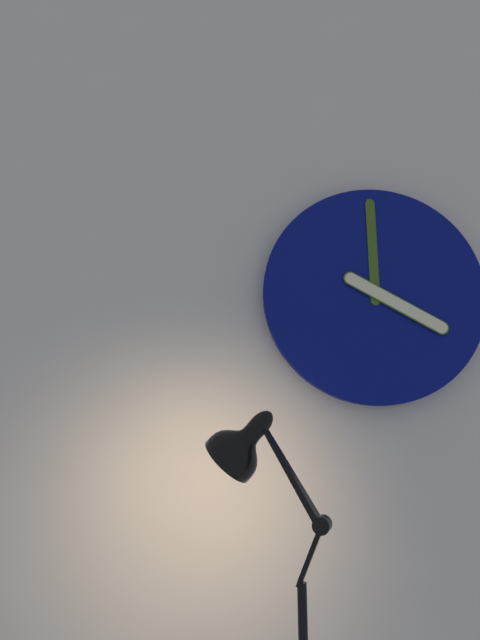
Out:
h=4 m=0
